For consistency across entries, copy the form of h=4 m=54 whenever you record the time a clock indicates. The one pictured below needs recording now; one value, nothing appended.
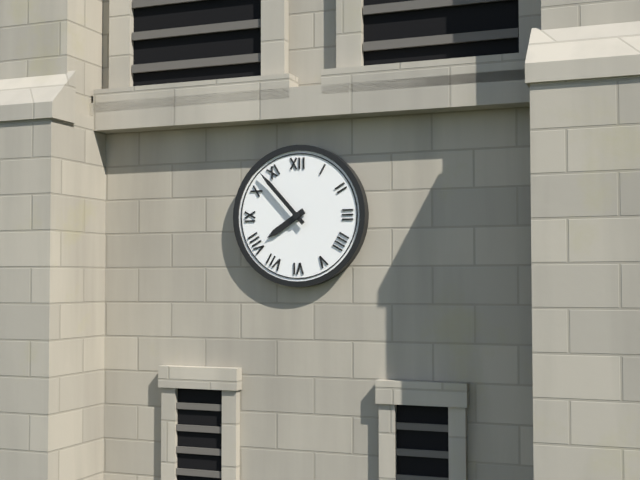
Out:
h=7 m=53
